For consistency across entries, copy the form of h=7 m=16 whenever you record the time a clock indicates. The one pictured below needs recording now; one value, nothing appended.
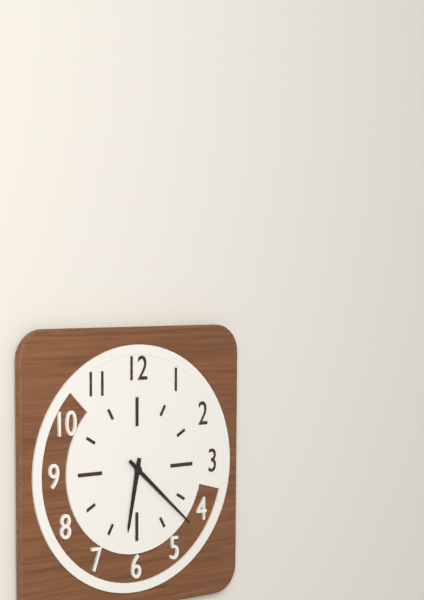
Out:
h=6 m=22
